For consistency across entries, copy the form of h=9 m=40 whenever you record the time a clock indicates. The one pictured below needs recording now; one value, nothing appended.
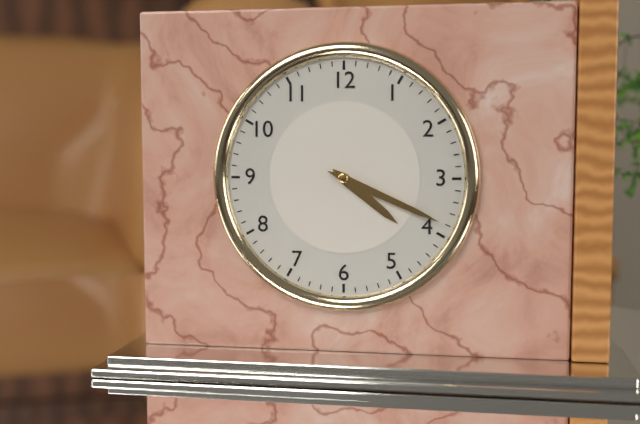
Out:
h=4 m=19
